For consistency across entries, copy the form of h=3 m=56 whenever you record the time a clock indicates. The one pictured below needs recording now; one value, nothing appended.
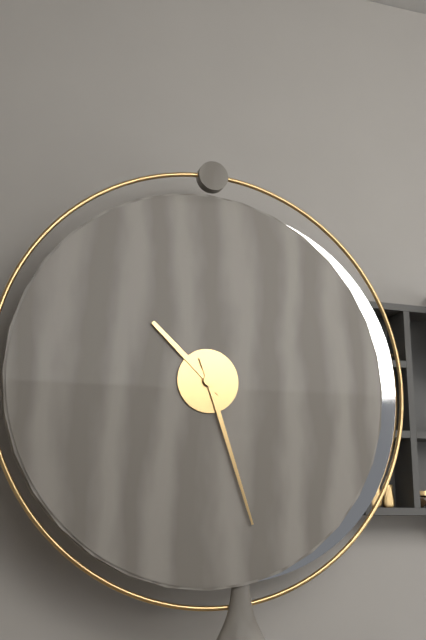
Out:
h=10 m=27
